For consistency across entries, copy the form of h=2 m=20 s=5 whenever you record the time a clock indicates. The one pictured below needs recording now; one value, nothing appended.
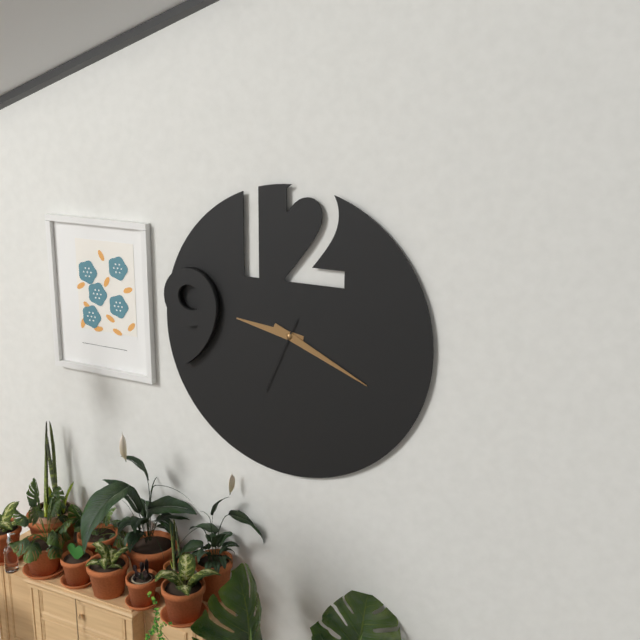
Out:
h=9 m=19 s=34
